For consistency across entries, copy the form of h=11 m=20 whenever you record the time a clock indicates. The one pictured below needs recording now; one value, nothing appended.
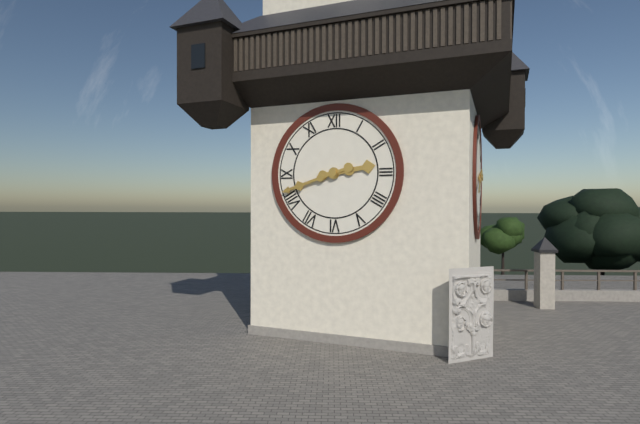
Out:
h=2 m=42
